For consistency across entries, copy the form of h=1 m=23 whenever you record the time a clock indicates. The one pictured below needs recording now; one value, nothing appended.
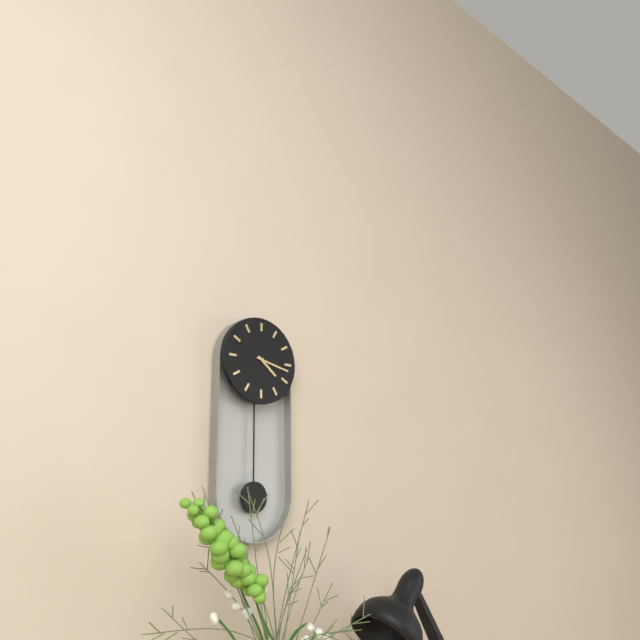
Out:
h=4 m=17
